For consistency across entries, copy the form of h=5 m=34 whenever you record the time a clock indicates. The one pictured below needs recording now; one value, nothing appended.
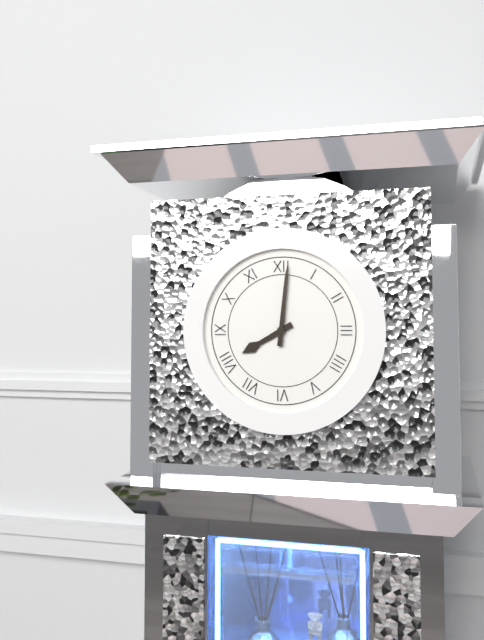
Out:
h=8 m=1
